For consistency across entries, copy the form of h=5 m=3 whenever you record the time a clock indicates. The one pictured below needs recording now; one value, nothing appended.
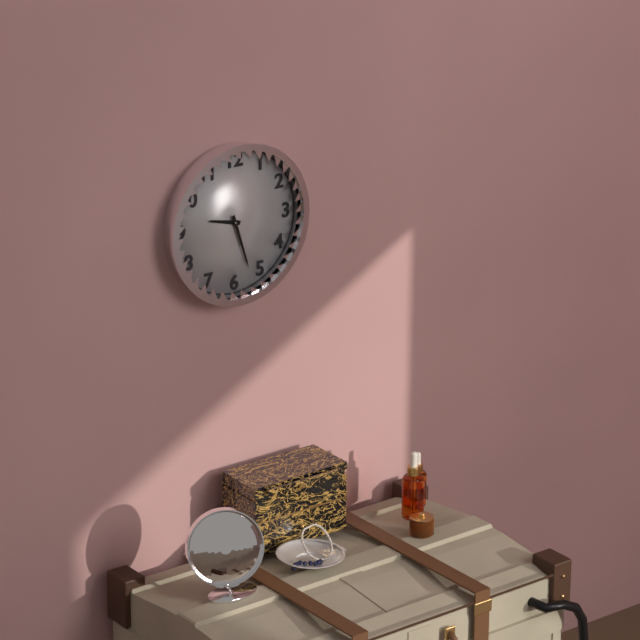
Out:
h=9 m=27
